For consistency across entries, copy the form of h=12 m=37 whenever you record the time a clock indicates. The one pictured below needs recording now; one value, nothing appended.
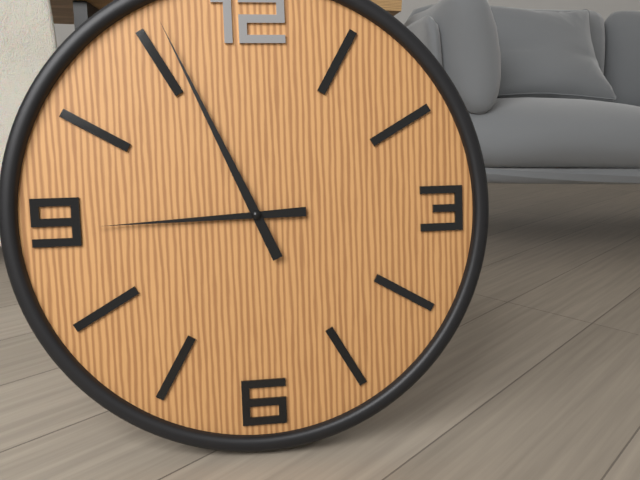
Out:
h=8 m=56
